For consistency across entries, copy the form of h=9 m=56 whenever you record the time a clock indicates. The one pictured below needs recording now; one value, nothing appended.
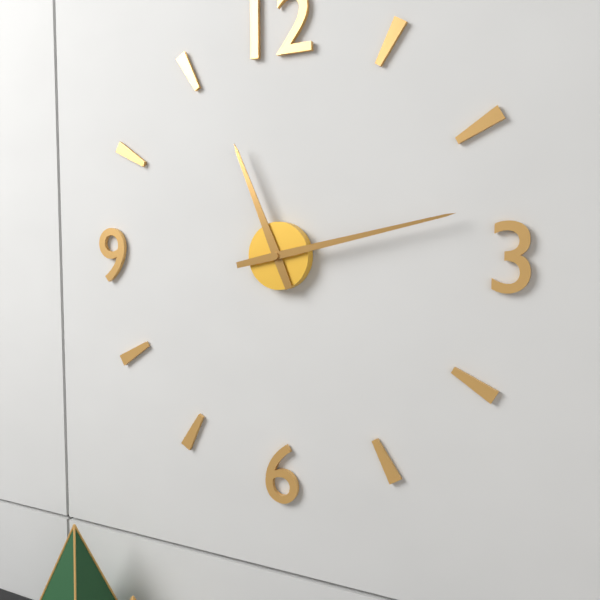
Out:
h=11 m=13
